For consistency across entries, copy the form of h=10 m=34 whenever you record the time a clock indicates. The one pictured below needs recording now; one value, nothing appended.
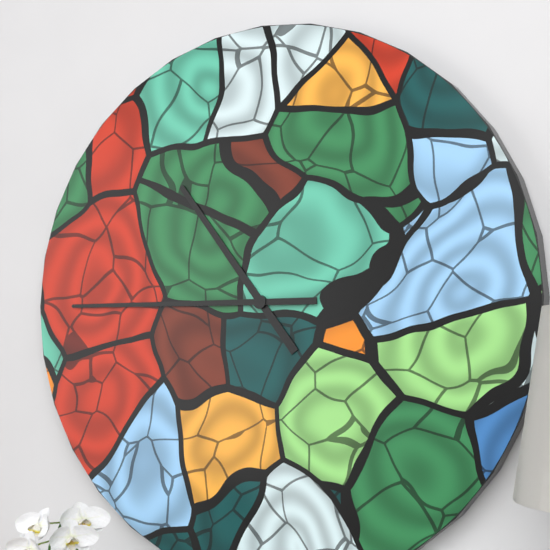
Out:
h=10 m=45
